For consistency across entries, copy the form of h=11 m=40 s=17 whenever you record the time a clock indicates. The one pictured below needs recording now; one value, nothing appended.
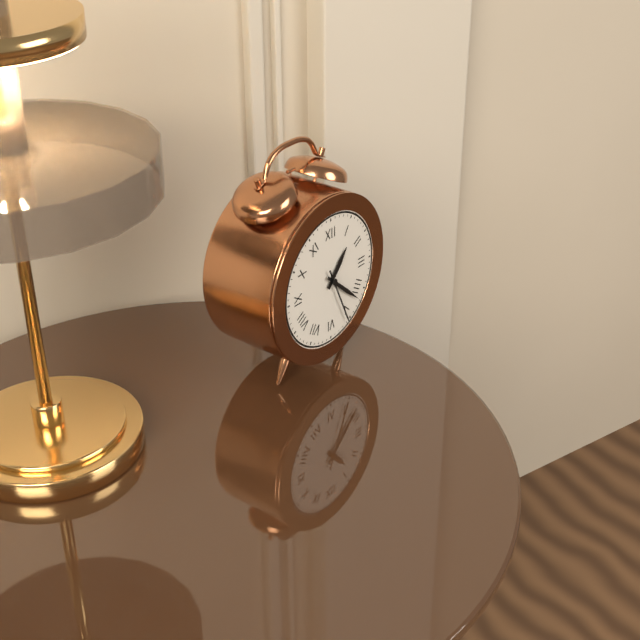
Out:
h=1 m=22 s=26
